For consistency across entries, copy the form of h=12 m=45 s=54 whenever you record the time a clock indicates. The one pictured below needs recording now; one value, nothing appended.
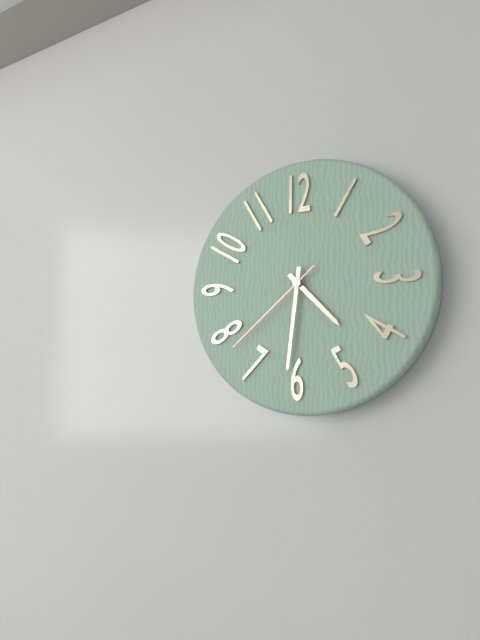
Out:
h=4 m=31 s=38
